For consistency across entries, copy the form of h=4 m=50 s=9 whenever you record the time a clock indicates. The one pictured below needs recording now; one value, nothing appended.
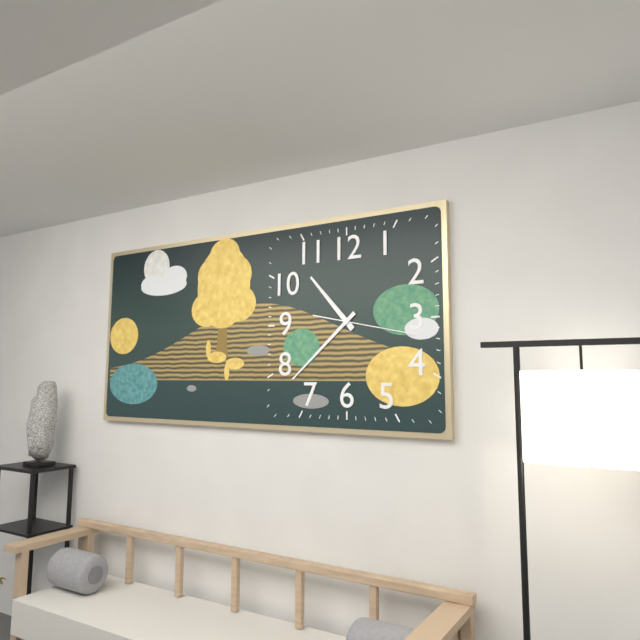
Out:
h=10 m=38 s=17
